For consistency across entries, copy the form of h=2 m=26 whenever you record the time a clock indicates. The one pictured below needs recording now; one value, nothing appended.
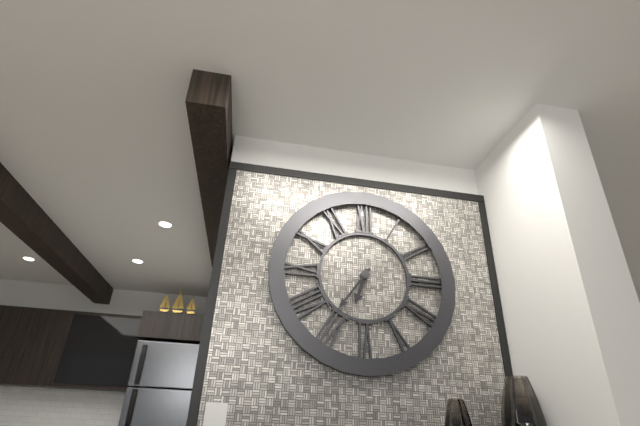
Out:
h=6 m=36
